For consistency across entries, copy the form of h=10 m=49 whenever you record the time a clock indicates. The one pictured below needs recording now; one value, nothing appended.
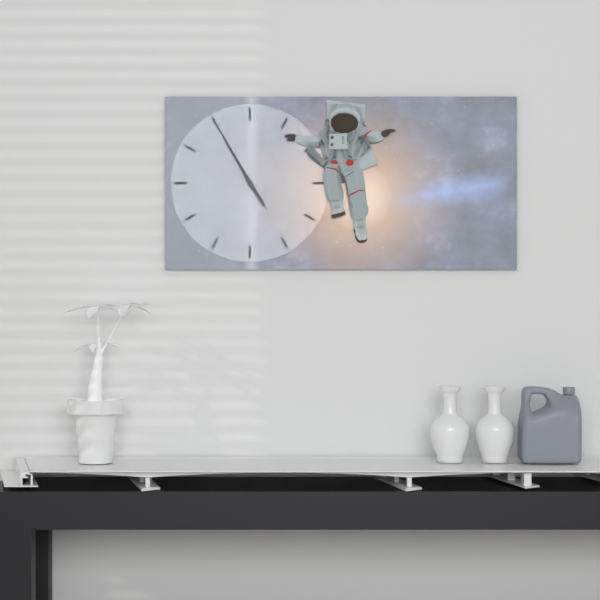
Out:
h=4 m=55
